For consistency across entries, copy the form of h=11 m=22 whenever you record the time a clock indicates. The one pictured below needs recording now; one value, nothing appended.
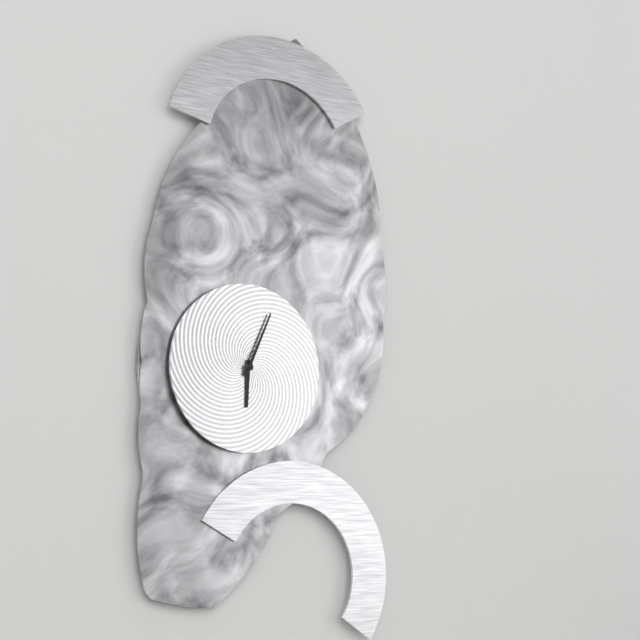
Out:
h=6 m=4
